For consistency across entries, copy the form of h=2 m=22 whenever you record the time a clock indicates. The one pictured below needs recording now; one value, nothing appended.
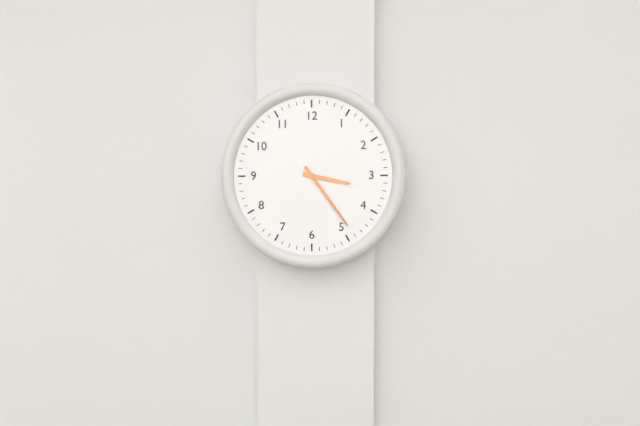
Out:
h=3 m=24
